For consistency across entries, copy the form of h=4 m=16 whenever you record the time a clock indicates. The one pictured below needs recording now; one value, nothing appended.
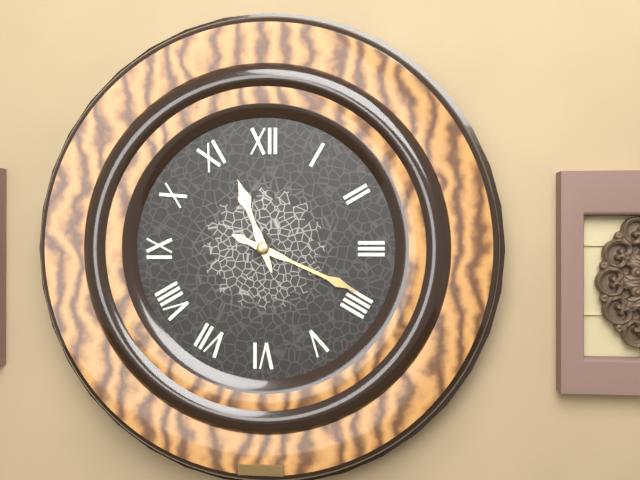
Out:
h=11 m=19
